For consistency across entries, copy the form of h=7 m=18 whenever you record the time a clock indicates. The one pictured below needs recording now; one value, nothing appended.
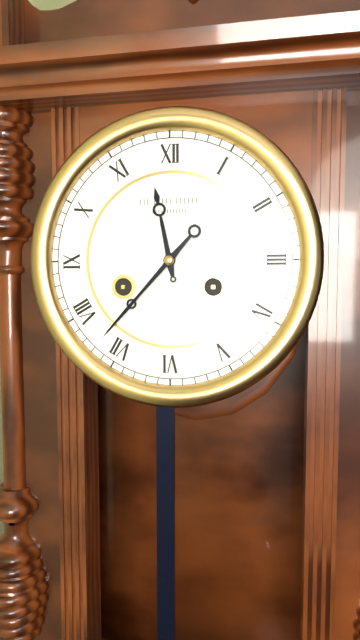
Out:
h=11 m=37
